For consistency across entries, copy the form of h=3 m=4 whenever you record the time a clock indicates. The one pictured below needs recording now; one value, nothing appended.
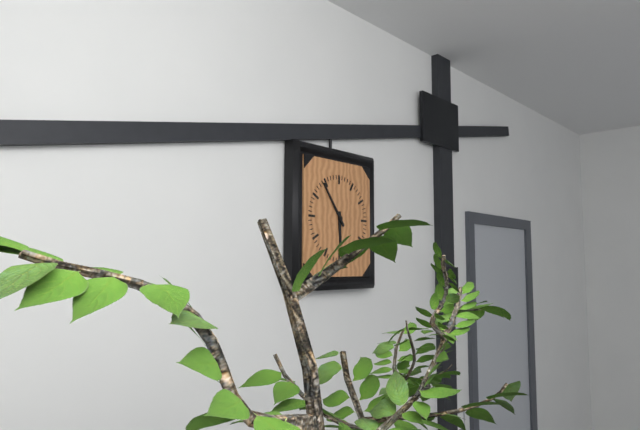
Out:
h=5 m=54
